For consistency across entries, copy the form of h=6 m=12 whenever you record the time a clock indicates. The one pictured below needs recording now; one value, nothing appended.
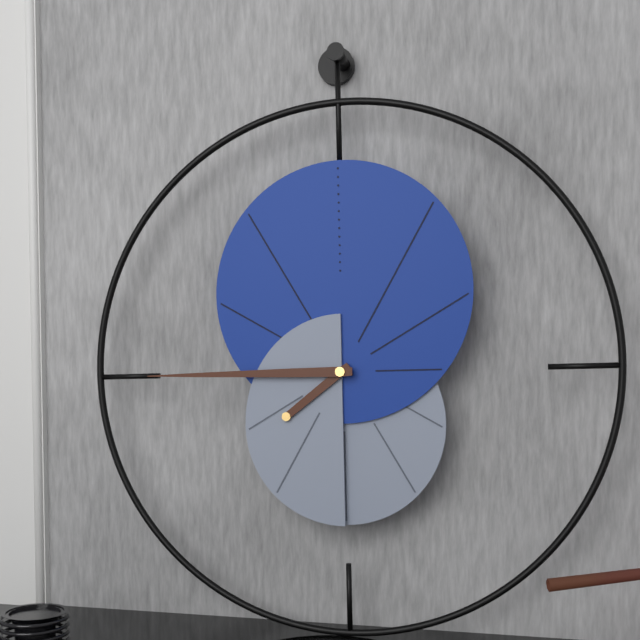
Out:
h=7 m=45
